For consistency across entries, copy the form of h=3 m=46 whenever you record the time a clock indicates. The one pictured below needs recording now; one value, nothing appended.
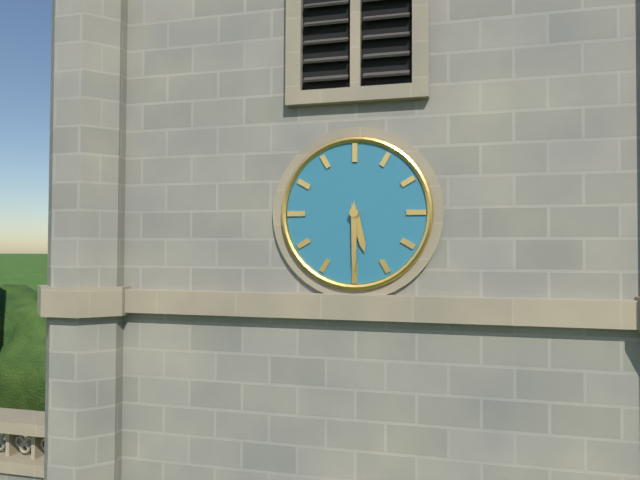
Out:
h=5 m=30
